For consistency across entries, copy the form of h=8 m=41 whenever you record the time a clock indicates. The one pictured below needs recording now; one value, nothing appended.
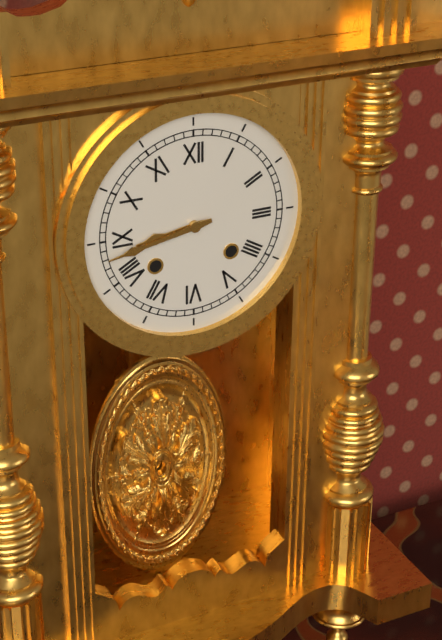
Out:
h=8 m=43
